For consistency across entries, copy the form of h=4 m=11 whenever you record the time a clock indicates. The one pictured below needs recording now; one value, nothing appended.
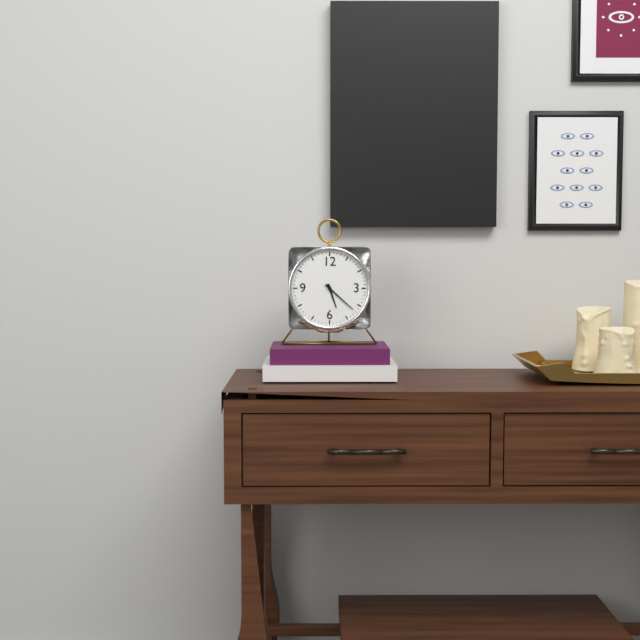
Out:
h=5 m=22
